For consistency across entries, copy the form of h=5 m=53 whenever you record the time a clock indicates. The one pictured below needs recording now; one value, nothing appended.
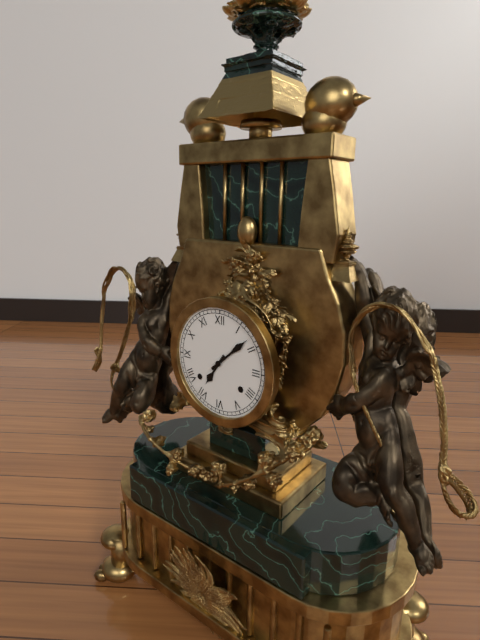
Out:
h=7 m=8
